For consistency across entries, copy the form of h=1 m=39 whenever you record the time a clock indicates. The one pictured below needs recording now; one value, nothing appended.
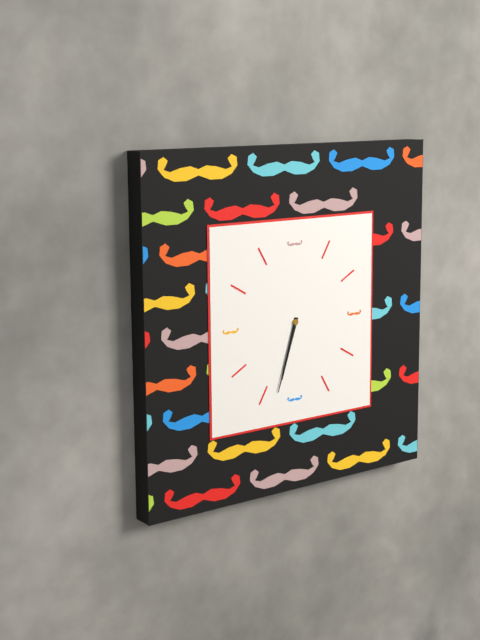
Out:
h=6 m=33
